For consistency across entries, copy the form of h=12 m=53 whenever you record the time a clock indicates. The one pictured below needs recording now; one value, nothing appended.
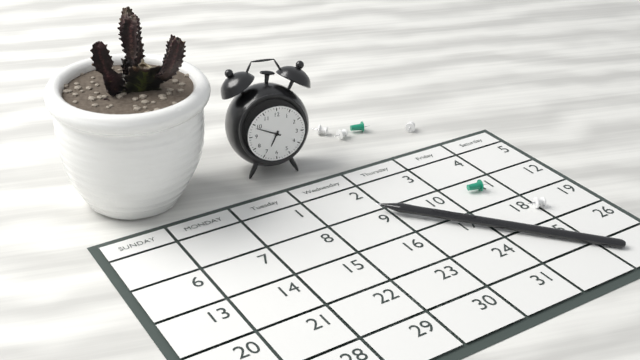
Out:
h=6 m=49
